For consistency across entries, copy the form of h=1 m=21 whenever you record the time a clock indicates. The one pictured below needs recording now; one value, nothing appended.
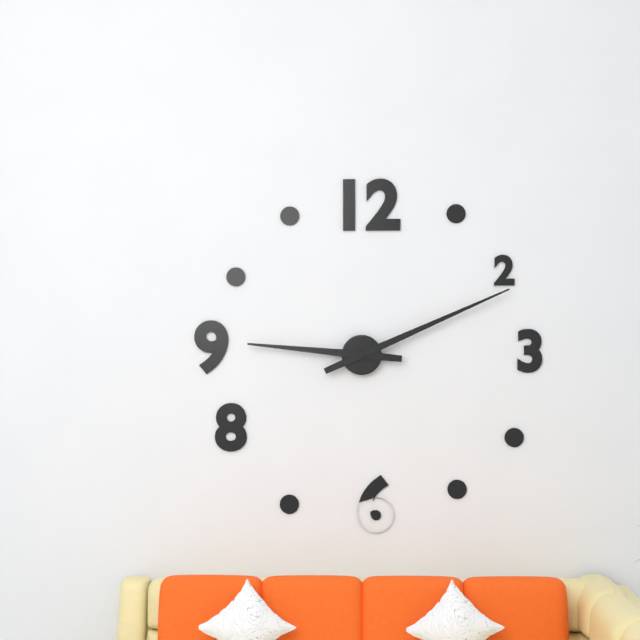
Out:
h=9 m=11
